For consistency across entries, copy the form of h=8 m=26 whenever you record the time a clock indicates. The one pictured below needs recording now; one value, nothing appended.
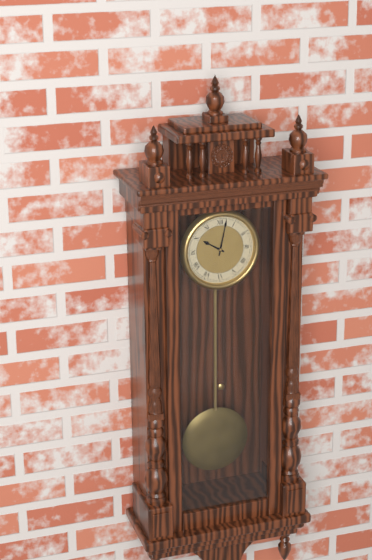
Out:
h=10 m=2
